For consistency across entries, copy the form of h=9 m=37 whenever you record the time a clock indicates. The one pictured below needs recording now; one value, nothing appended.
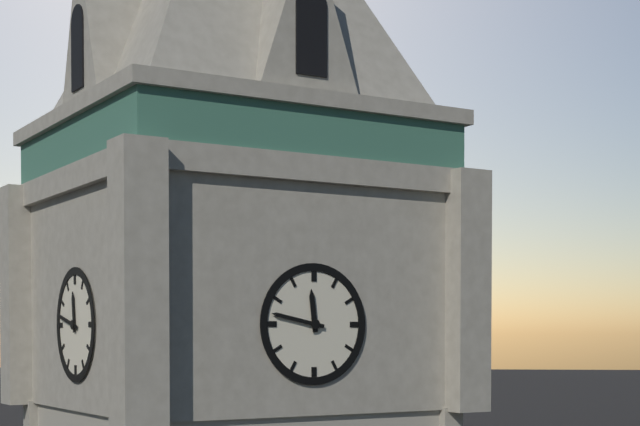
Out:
h=11 m=47
